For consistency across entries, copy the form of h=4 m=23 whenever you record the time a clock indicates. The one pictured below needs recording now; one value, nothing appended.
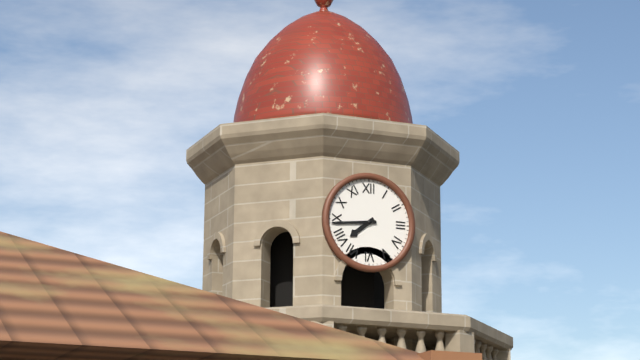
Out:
h=7 m=44
